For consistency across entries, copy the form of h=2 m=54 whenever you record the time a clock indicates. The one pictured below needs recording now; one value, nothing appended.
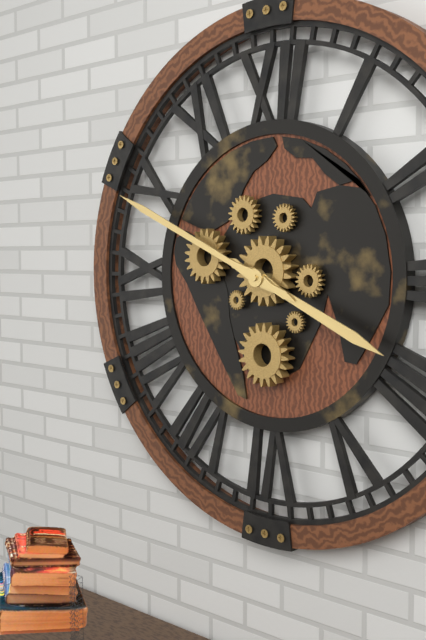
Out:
h=3 m=49
